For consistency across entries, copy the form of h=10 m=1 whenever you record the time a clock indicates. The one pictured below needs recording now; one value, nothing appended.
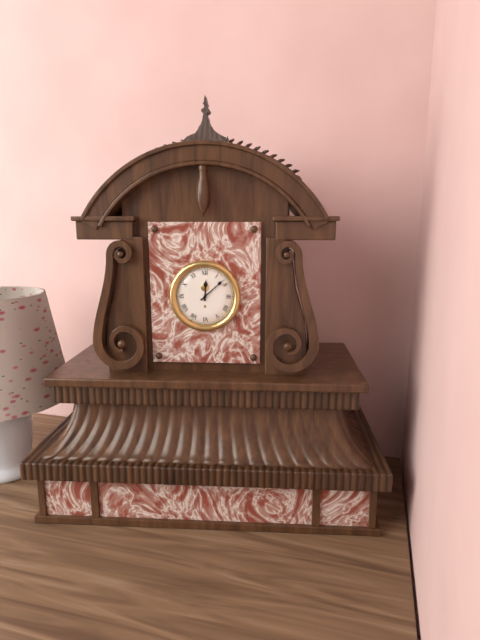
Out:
h=12 m=8
